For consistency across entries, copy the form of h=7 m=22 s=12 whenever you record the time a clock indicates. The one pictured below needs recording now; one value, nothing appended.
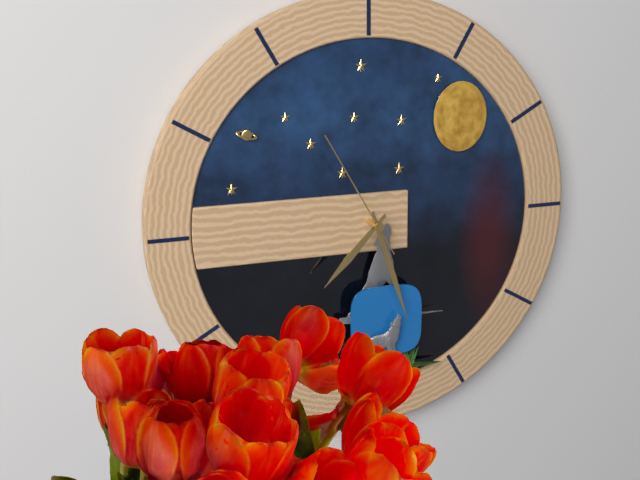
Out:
h=7 m=27 s=55
